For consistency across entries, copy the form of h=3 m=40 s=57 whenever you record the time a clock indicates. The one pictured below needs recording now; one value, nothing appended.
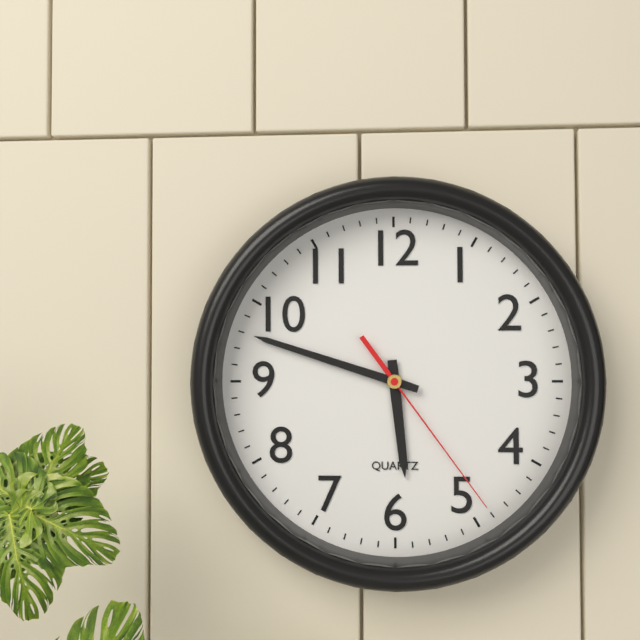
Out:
h=5 m=48 s=24
